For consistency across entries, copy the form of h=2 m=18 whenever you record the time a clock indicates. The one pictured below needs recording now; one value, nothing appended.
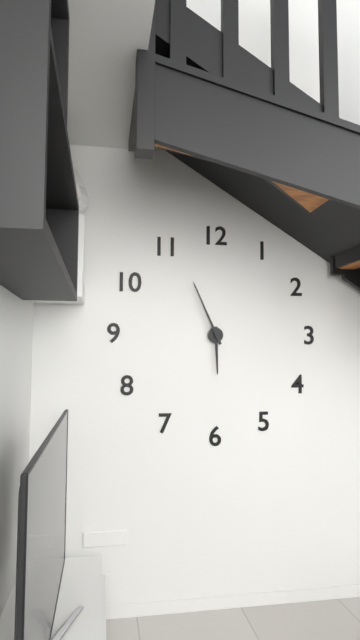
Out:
h=5 m=56
